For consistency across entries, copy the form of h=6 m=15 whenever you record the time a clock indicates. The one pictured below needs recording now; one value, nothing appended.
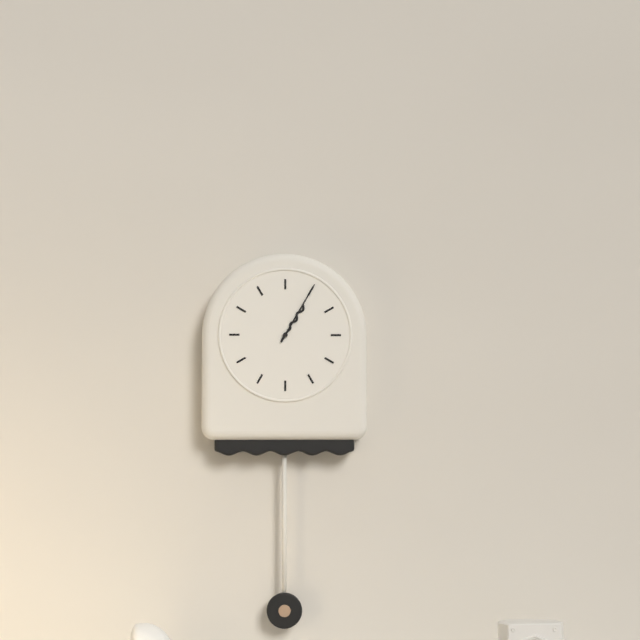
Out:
h=1 m=5
